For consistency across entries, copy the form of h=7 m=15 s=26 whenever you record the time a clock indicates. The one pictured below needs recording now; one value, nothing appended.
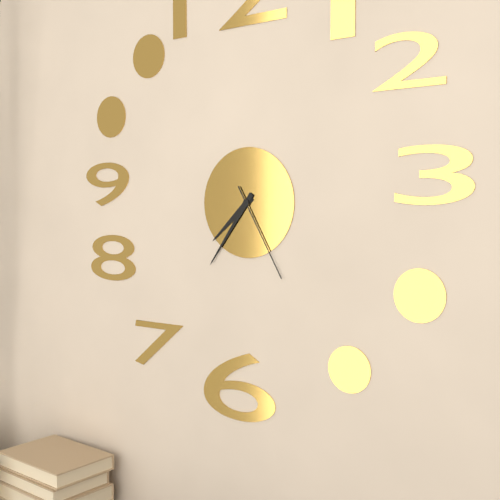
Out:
h=7 m=36 s=25
